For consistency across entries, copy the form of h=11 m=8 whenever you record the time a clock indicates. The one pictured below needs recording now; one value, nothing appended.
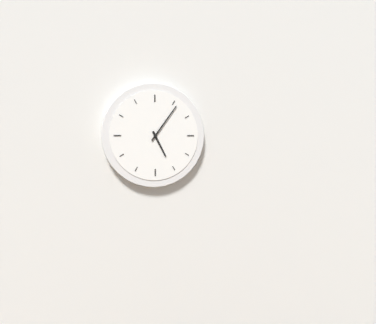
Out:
h=5 m=6
